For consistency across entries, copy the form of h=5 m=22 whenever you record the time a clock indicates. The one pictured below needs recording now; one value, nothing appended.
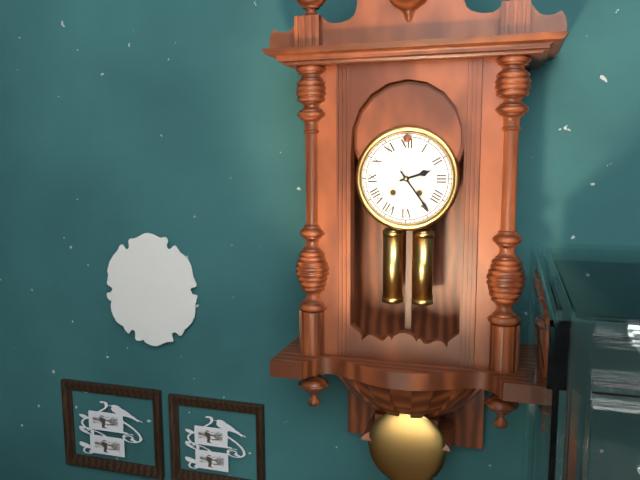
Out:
h=2 m=24
